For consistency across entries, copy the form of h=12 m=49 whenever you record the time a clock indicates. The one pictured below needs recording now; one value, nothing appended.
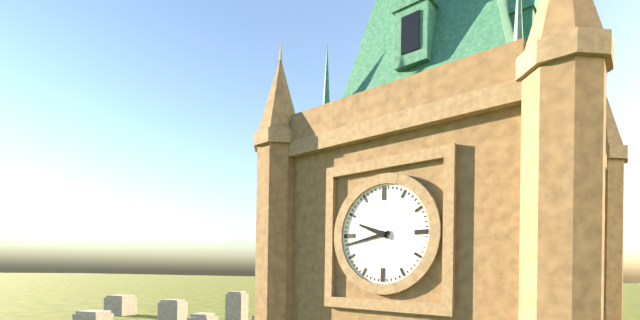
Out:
h=9 m=43
